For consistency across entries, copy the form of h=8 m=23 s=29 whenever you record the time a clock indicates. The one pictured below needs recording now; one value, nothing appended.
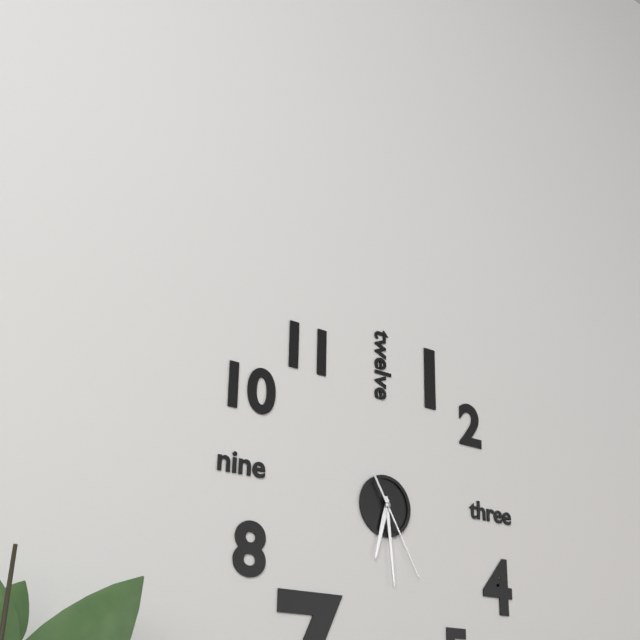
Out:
h=6 m=29 s=25
